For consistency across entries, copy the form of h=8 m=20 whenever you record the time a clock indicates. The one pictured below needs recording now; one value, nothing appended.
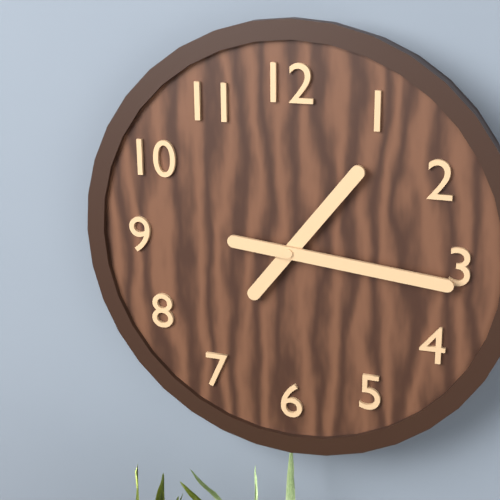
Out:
h=1 m=16
